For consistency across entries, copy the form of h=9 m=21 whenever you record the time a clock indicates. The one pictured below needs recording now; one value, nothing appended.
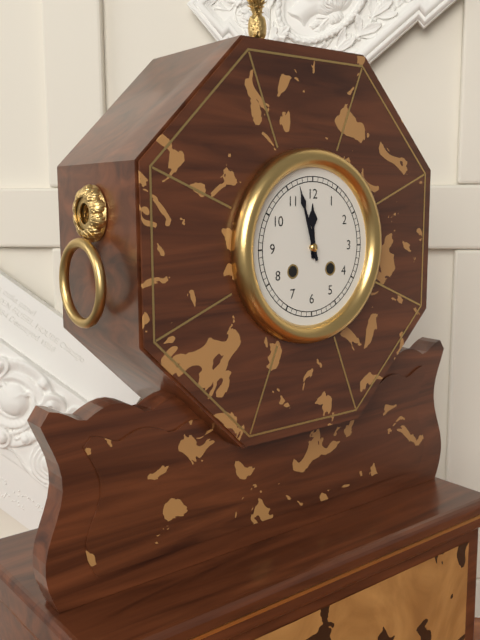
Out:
h=11 m=57
